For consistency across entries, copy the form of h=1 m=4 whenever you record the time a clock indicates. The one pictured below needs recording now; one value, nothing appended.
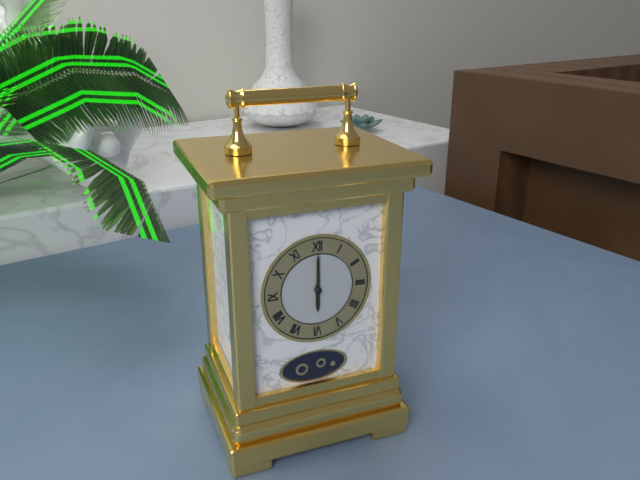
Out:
h=6 m=0
